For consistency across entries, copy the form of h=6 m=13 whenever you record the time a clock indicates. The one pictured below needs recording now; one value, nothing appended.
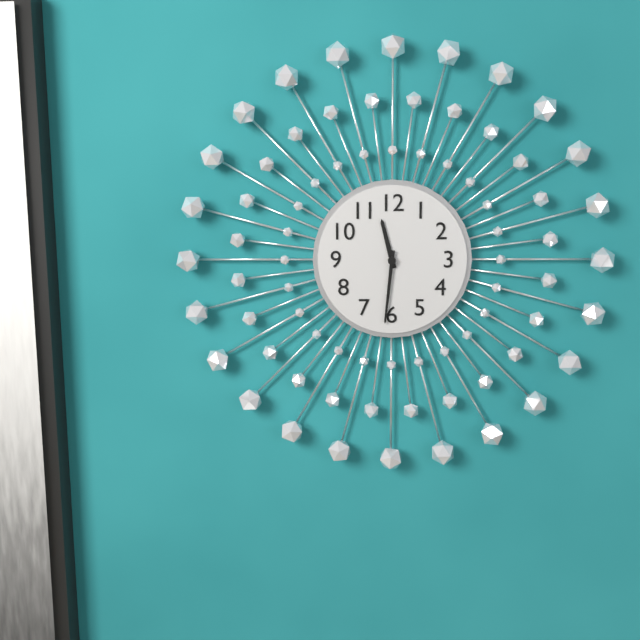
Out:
h=11 m=31
